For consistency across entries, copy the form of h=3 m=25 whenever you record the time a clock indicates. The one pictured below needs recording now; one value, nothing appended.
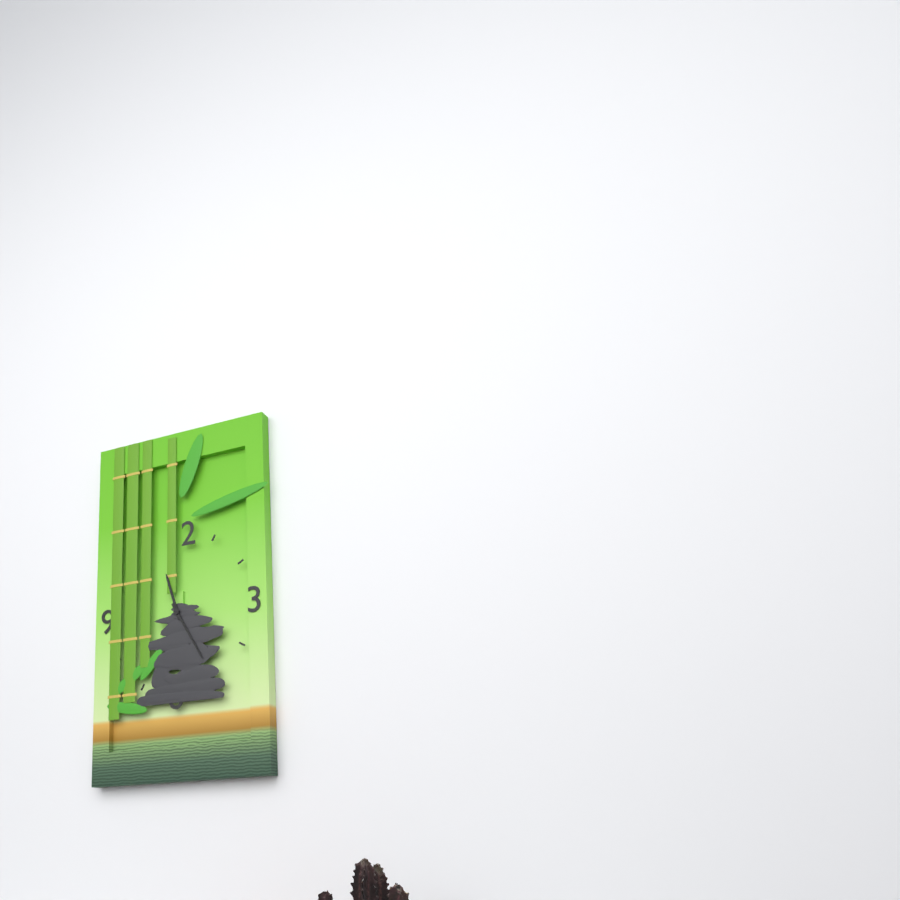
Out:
h=11 m=25
